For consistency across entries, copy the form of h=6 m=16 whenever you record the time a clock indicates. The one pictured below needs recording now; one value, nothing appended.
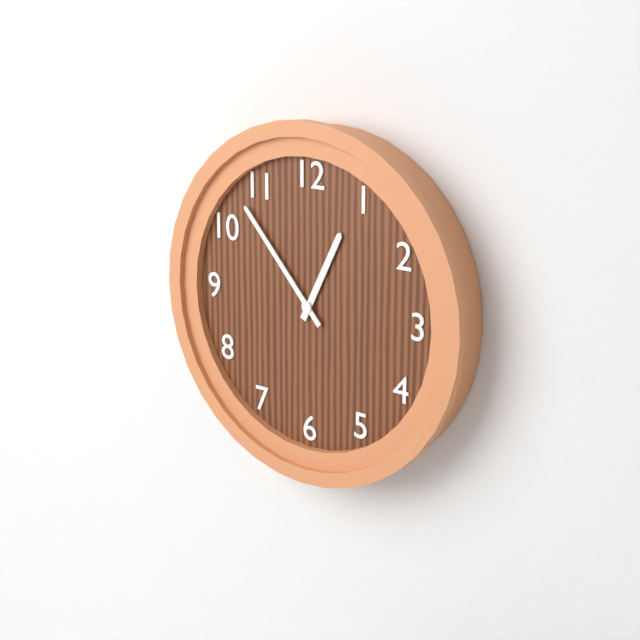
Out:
h=12 m=53
